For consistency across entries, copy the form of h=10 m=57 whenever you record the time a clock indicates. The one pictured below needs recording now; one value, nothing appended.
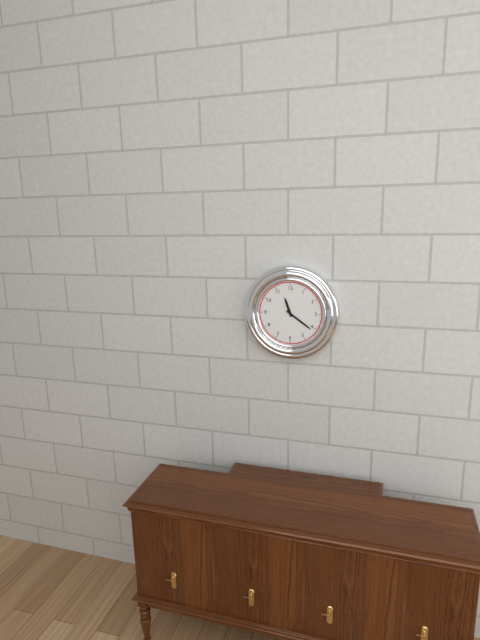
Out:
h=11 m=21
